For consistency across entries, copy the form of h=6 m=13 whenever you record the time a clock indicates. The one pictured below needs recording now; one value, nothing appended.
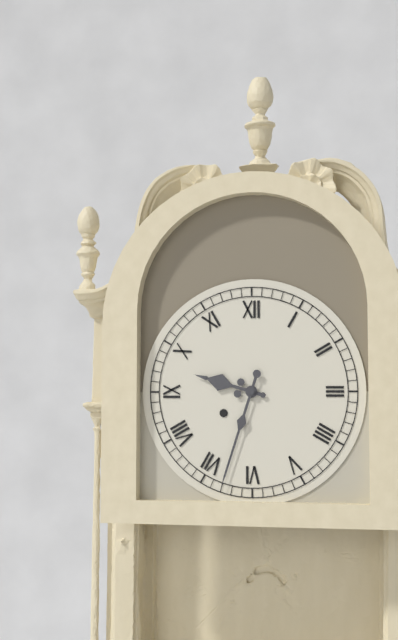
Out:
h=9 m=33
